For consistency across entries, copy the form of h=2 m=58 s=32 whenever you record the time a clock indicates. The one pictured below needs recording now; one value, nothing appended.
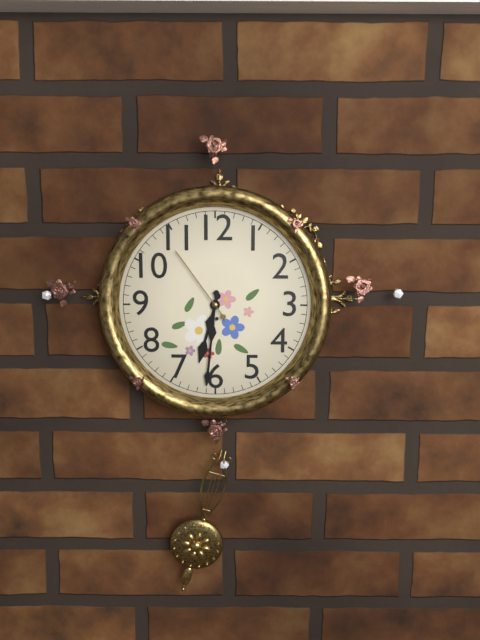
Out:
h=6 m=31 s=54
